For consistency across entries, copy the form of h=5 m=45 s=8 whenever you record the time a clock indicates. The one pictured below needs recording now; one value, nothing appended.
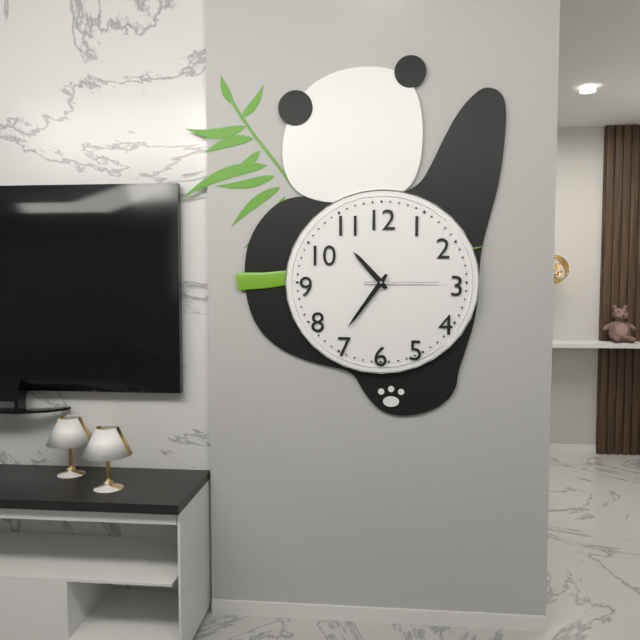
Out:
h=10 m=36 s=15
